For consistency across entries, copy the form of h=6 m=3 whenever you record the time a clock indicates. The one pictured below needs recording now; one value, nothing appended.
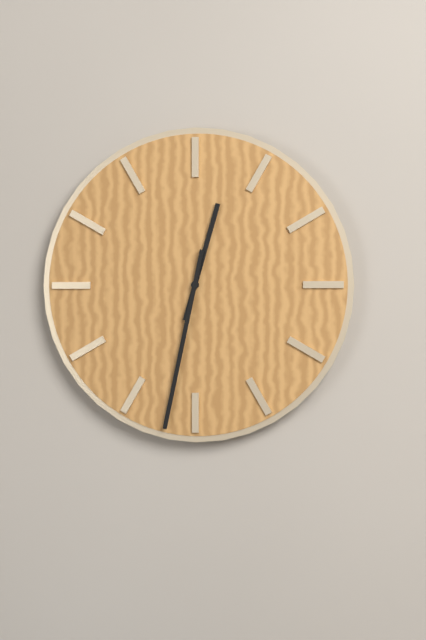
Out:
h=12 m=32
